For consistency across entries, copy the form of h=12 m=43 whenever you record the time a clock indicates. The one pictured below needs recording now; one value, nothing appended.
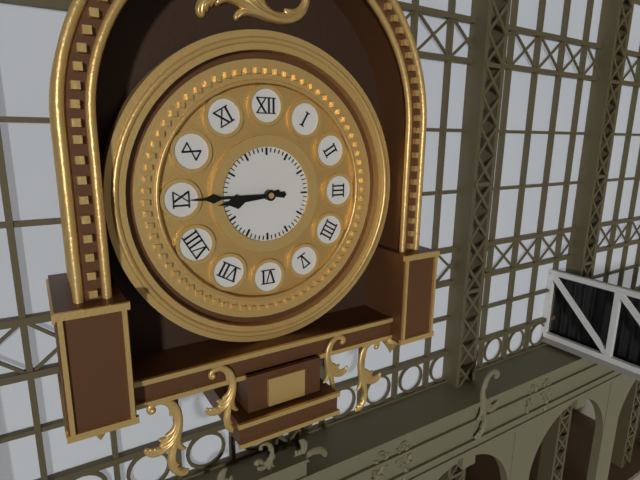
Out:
h=8 m=45
